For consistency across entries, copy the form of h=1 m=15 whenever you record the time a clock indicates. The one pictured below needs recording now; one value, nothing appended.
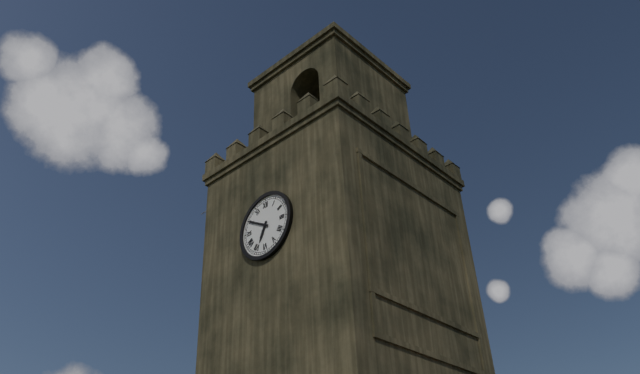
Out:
h=6 m=50
